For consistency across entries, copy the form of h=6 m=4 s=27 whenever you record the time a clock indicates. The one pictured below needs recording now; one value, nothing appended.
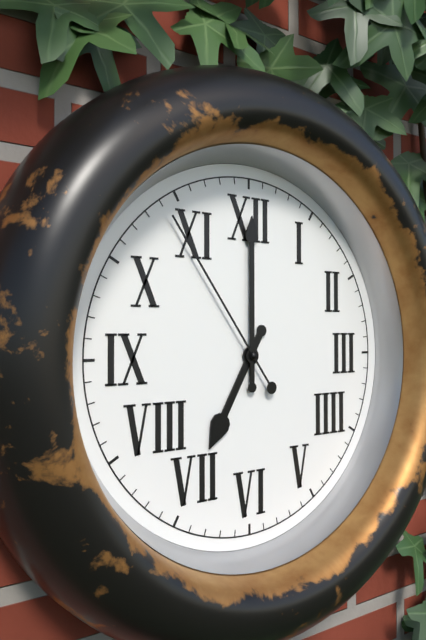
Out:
h=7 m=0 s=54
